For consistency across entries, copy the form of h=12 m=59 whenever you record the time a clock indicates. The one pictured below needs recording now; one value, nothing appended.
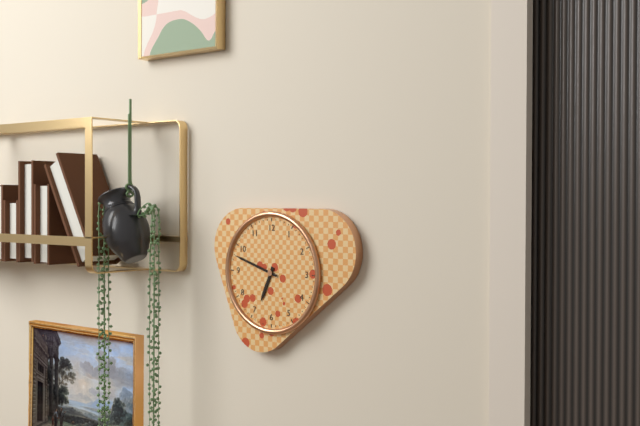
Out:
h=6 m=48
